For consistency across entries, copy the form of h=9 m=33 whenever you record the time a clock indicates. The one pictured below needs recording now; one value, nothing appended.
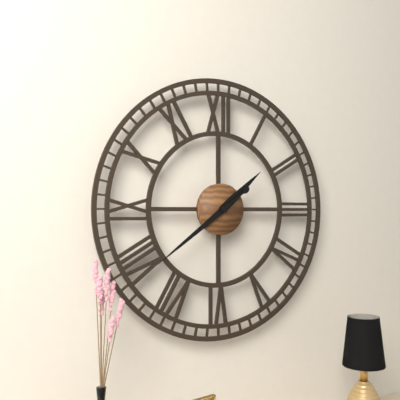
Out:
h=1 m=39
